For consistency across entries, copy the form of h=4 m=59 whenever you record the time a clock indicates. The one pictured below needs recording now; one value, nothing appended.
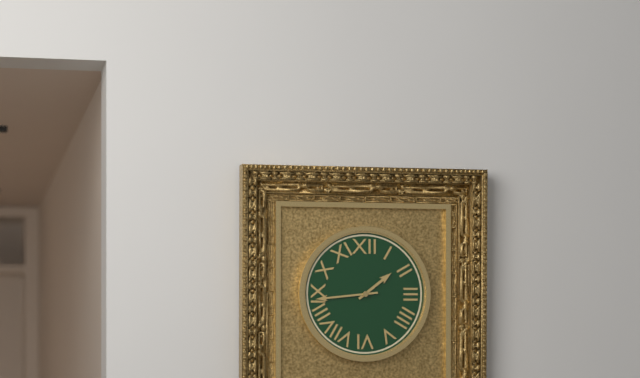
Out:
h=1 m=44
